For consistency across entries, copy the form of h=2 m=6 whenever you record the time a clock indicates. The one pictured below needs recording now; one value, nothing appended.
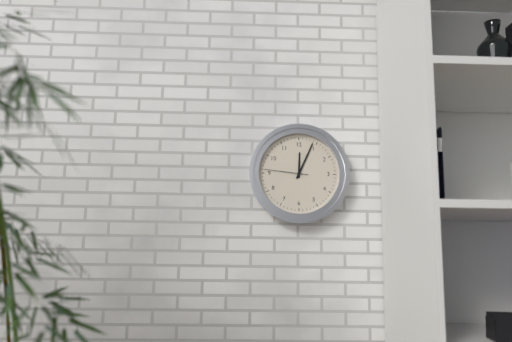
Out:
h=12 m=4
